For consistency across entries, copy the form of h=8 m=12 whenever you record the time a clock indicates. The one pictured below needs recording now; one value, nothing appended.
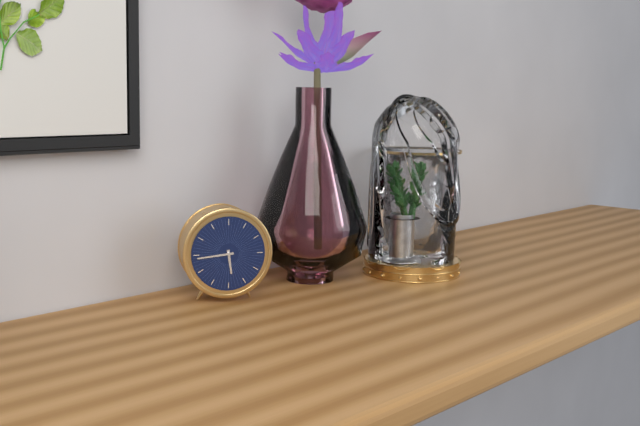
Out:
h=5 m=44
